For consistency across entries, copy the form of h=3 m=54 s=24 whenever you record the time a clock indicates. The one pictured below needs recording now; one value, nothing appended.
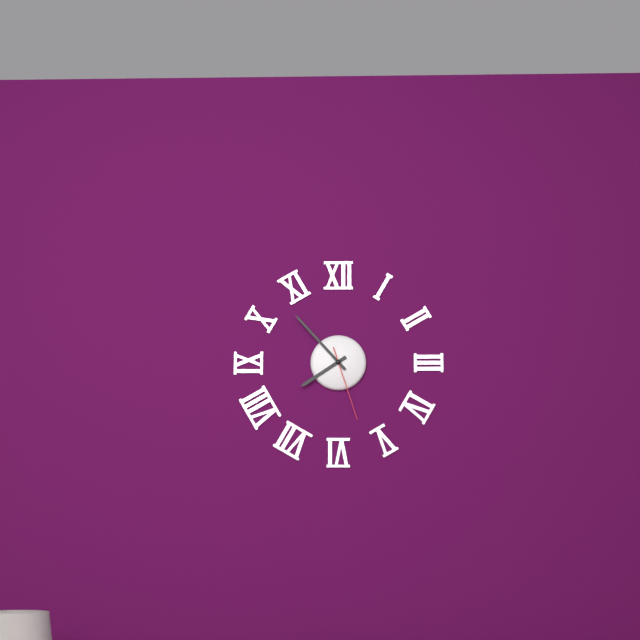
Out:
h=7 m=53 s=27
